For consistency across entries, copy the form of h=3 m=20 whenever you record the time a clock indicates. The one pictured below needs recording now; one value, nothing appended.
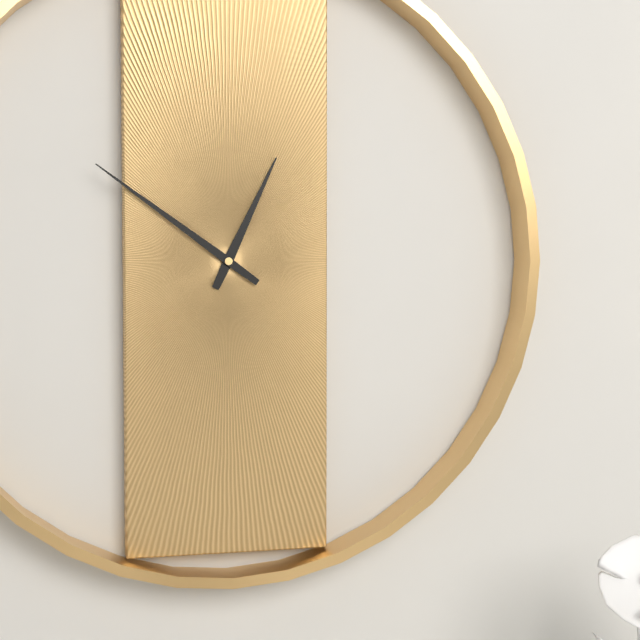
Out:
h=12 m=51
